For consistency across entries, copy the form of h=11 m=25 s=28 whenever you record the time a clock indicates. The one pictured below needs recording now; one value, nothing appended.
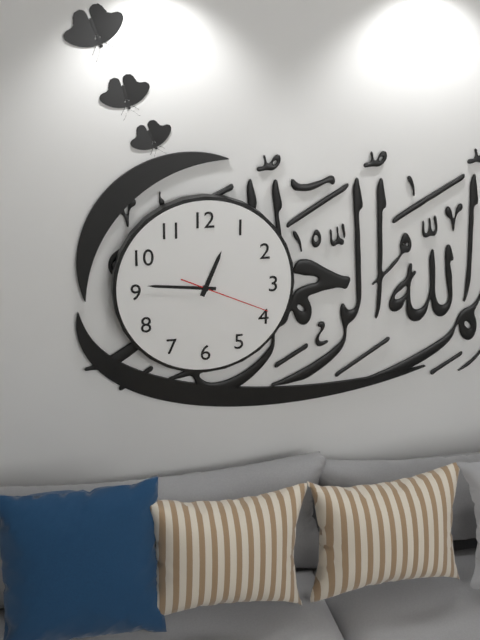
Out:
h=12 m=46 s=19
